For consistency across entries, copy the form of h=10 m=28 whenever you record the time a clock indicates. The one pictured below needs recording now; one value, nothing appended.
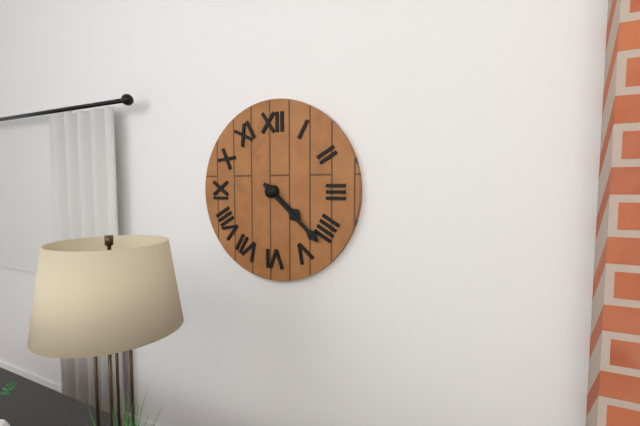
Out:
h=4 m=22
